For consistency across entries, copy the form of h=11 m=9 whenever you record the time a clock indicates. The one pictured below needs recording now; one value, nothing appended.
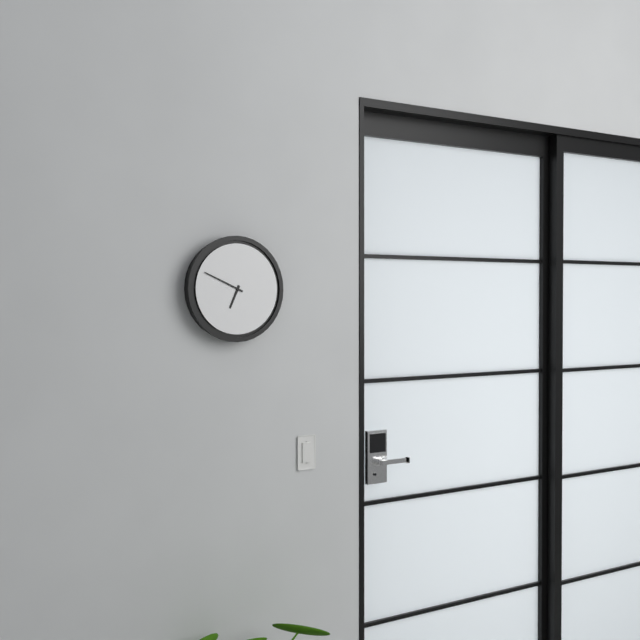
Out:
h=6 m=49
